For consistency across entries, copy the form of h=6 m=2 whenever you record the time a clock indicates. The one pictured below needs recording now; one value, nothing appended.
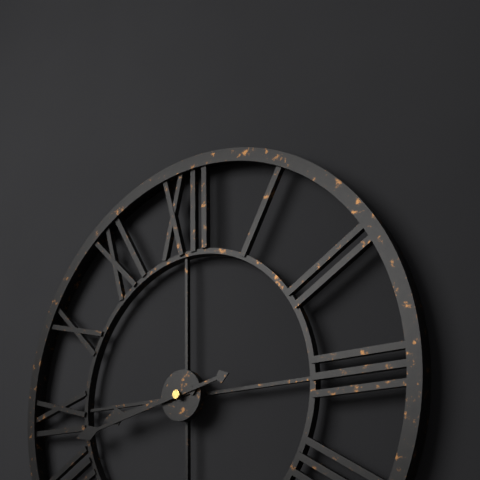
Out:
h=8 m=43
